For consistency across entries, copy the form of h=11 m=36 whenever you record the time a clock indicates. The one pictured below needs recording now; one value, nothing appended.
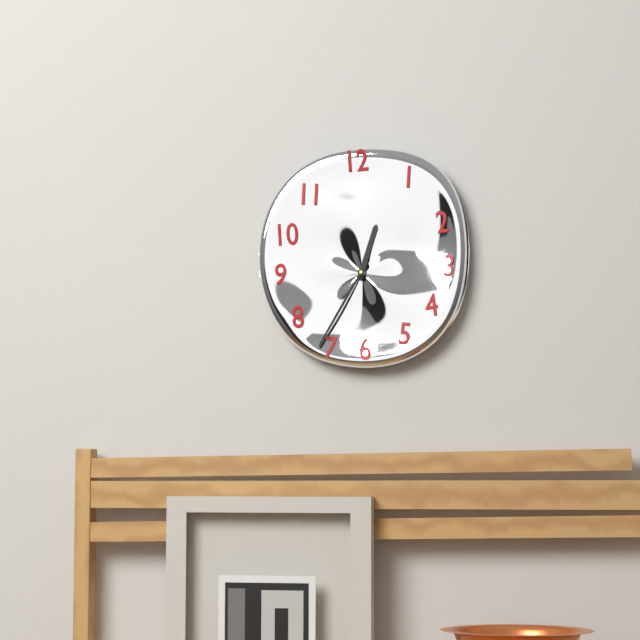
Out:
h=12 m=35
